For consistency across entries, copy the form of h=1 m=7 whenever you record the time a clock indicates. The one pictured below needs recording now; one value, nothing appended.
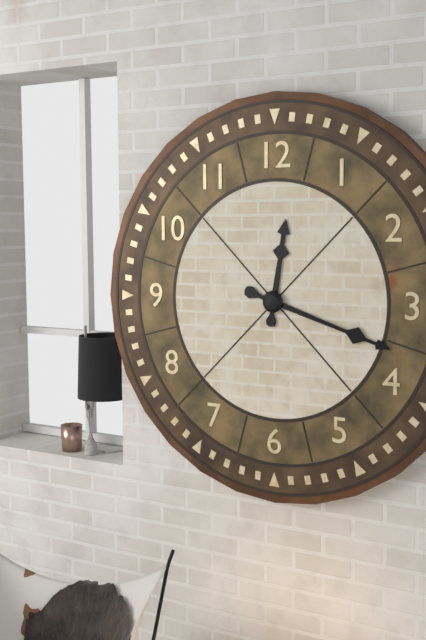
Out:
h=12 m=18
